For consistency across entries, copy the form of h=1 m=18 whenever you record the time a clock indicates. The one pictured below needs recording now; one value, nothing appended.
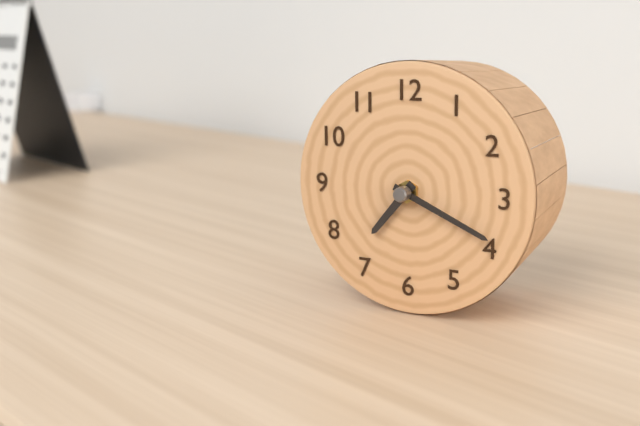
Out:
h=7 m=19
